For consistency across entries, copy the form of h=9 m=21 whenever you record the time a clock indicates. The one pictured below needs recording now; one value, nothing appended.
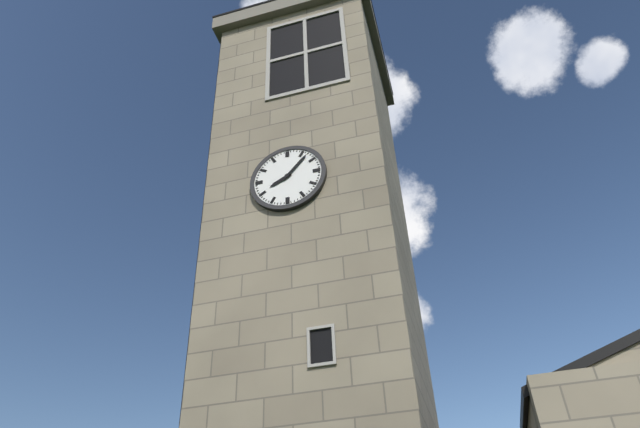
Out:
h=8 m=7
